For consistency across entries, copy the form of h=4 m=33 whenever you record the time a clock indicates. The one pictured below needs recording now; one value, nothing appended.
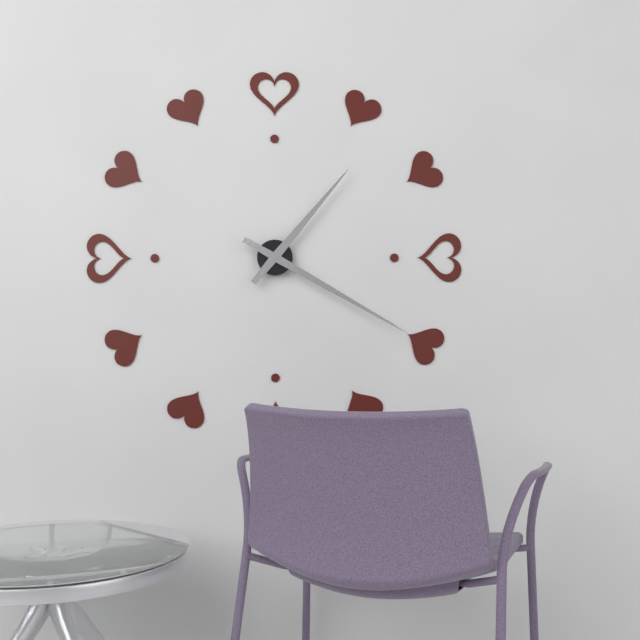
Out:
h=1 m=20
